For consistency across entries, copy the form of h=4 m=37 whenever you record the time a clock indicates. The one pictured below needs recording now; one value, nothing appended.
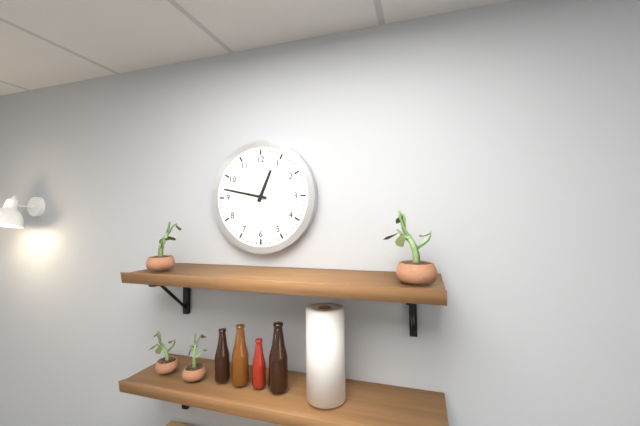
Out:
h=12 m=47
